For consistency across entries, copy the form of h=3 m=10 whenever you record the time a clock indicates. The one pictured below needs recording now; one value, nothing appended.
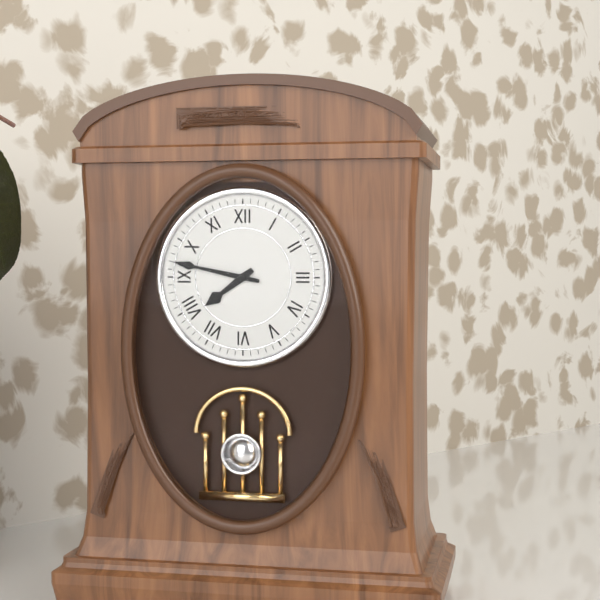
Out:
h=7 m=47
